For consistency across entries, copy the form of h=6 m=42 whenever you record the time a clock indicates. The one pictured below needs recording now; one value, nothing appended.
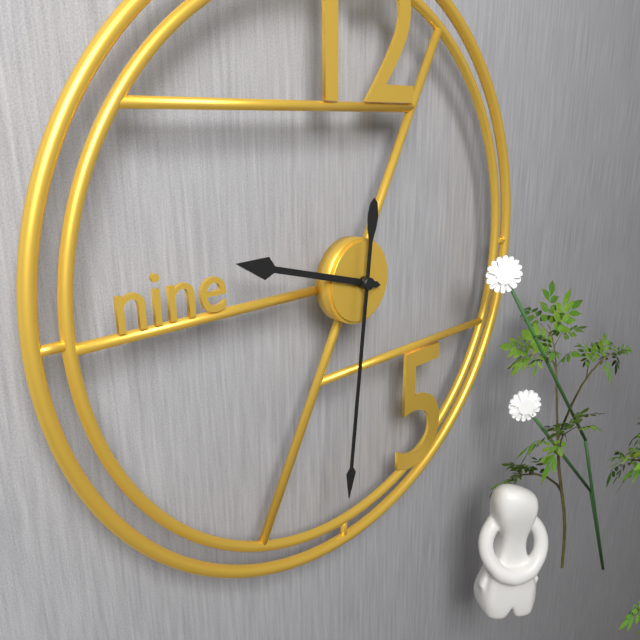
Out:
h=9 m=31
